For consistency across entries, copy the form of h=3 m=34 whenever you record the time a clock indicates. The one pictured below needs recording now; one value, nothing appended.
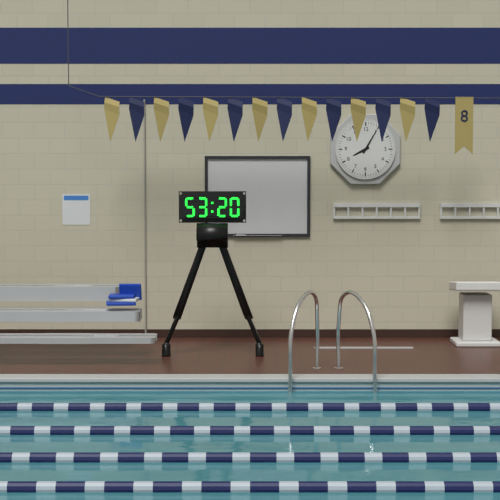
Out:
h=8 m=5
